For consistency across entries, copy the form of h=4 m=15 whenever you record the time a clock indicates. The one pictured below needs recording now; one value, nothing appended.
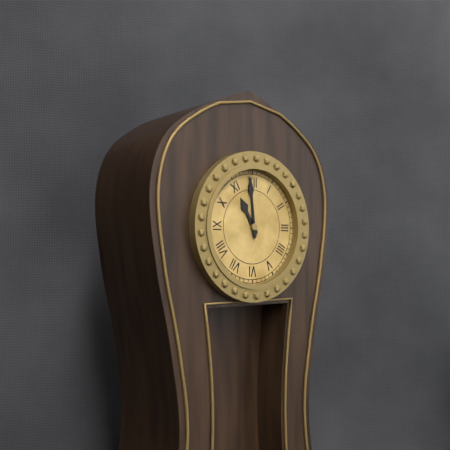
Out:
h=10 m=59
